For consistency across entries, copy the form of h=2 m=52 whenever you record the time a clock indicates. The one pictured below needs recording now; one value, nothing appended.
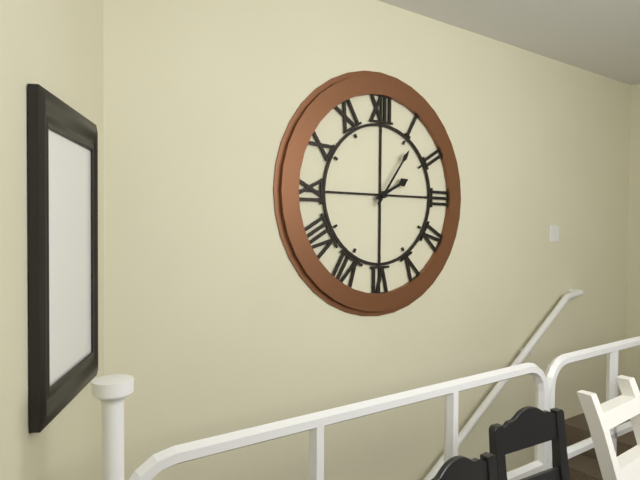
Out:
h=2 m=6
